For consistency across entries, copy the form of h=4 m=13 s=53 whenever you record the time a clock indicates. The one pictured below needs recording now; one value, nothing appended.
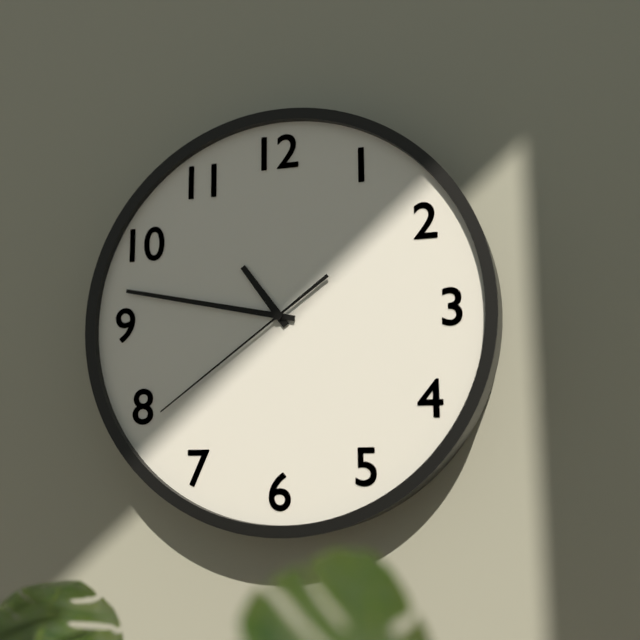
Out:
h=10 m=47 s=39
